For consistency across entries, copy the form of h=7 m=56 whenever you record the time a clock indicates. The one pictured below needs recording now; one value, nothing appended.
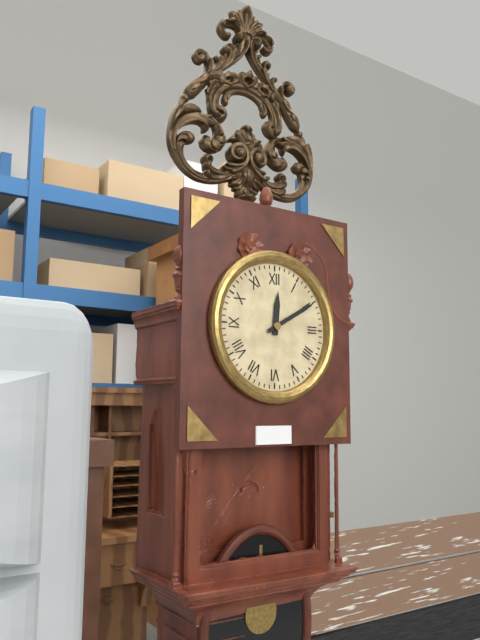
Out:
h=12 m=10
